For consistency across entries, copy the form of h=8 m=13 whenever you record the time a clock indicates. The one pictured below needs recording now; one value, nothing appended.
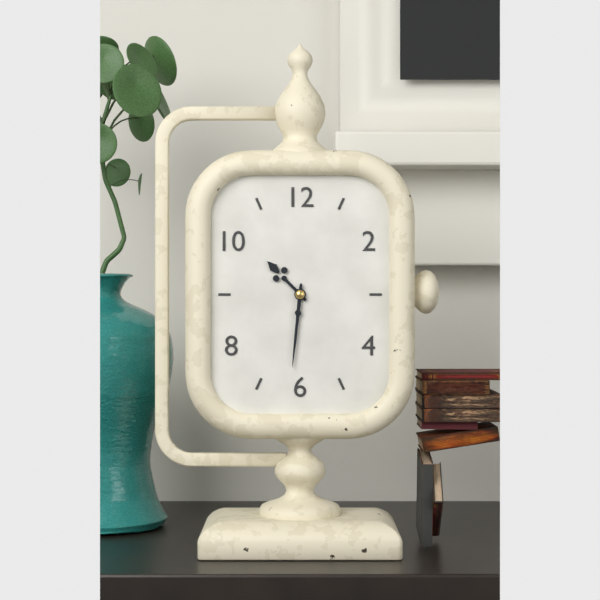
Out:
h=10 m=31
